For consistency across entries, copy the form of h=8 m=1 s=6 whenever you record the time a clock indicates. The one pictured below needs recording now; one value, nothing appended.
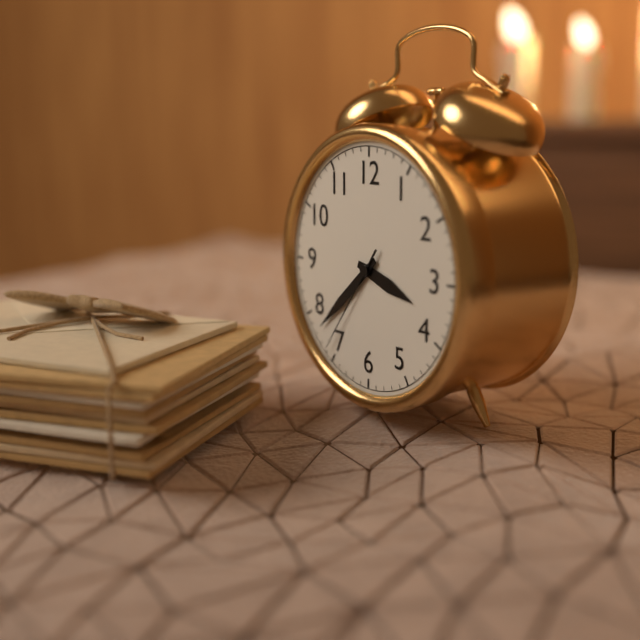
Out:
h=3 m=38 s=36
